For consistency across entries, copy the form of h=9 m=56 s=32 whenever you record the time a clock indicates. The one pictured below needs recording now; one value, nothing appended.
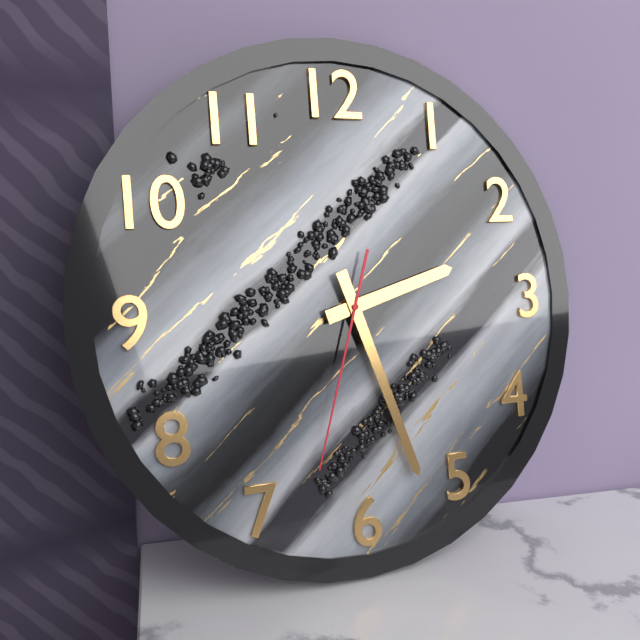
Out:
h=2 m=27 s=33
